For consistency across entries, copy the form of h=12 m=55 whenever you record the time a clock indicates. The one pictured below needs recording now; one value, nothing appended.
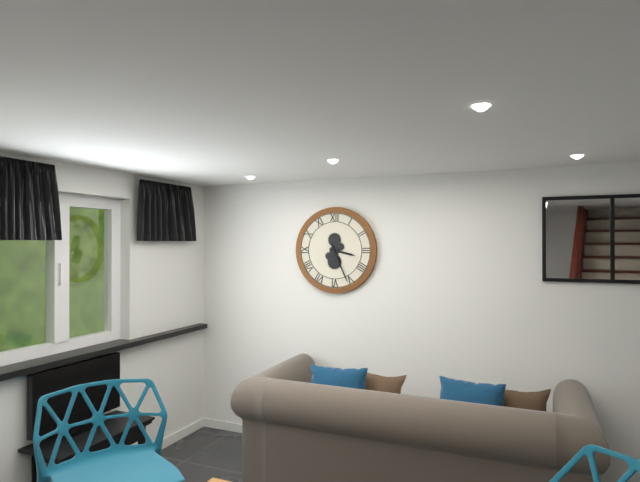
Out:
h=3 m=26
